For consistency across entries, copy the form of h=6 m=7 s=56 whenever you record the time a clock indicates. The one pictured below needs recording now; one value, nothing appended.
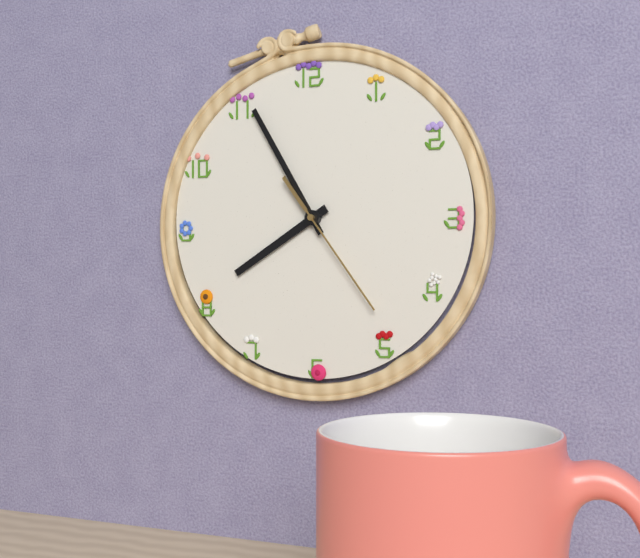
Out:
h=7 m=55 s=24
